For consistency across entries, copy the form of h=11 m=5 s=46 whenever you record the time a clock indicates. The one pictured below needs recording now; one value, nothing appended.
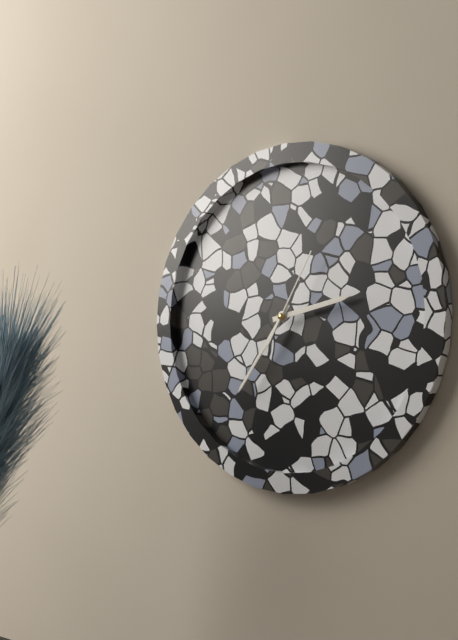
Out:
h=2 m=36 s=5
